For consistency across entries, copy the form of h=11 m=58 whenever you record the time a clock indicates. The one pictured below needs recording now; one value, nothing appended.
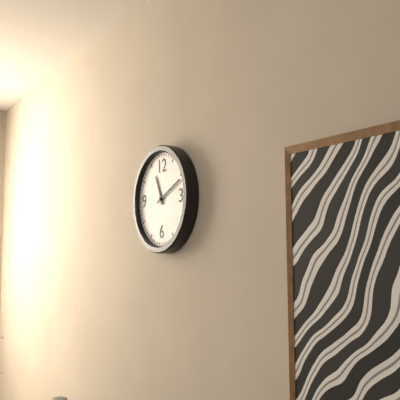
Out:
h=11 m=11
